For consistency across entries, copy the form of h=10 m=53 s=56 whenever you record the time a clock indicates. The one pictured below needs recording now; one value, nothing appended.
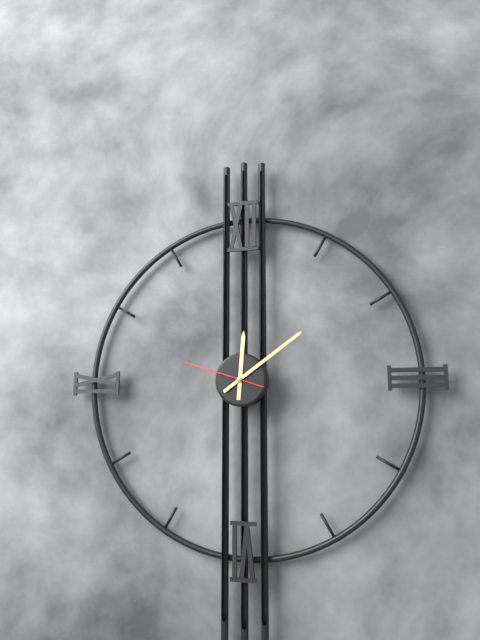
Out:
h=12 m=9 s=48
